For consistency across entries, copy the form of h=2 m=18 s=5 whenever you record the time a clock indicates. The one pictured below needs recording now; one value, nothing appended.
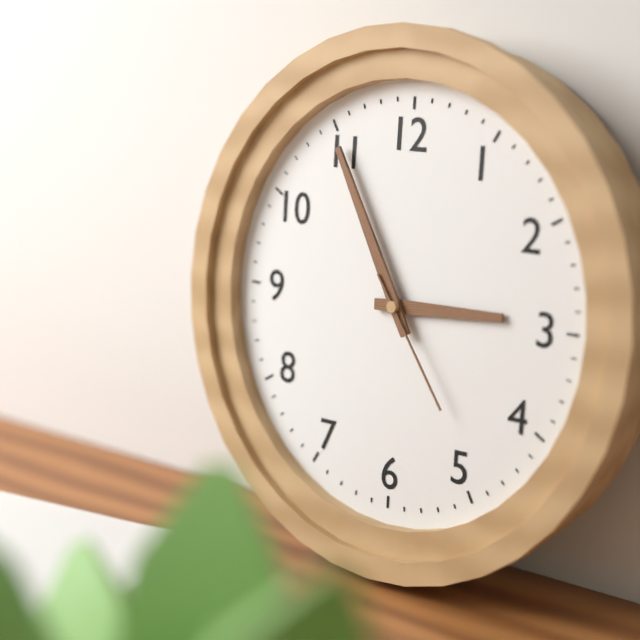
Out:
h=2 m=55 s=24
